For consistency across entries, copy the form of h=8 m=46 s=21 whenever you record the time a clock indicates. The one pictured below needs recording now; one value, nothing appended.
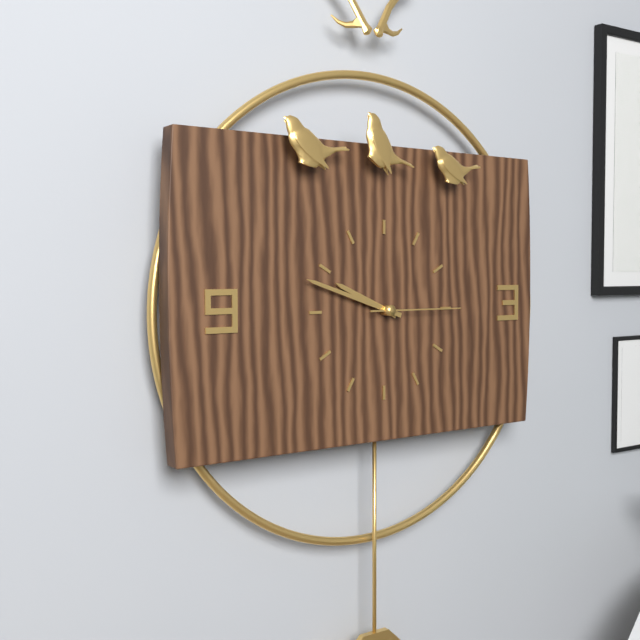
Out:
h=9 m=48 s=15
